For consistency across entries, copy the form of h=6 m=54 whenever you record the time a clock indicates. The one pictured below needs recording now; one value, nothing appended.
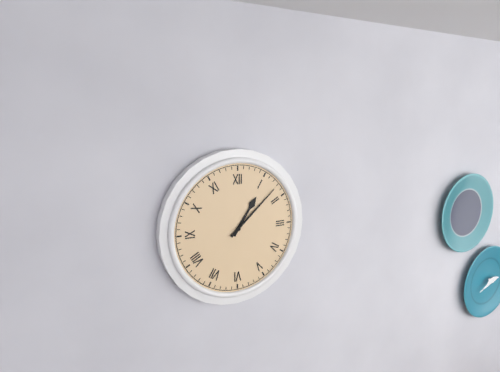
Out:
h=1 m=8
